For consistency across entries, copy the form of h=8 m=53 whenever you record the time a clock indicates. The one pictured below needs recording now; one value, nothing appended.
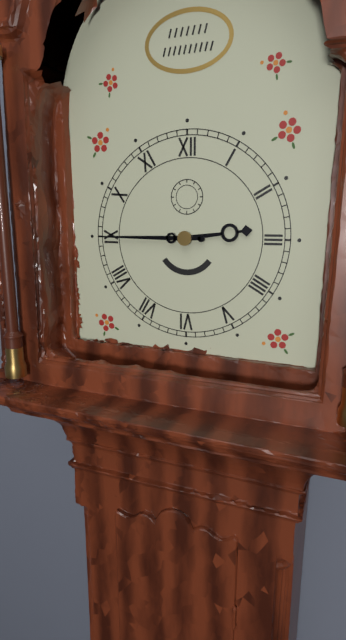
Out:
h=2 m=45
